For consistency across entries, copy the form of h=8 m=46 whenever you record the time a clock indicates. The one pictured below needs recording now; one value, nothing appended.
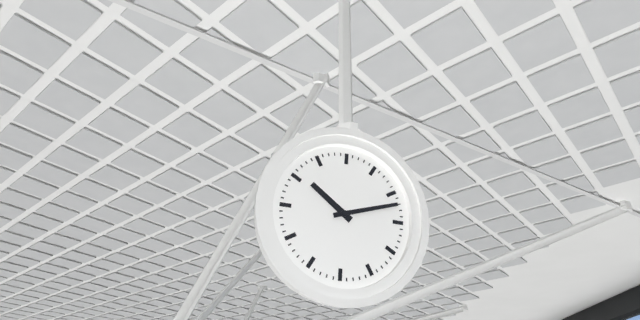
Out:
h=10 m=12
